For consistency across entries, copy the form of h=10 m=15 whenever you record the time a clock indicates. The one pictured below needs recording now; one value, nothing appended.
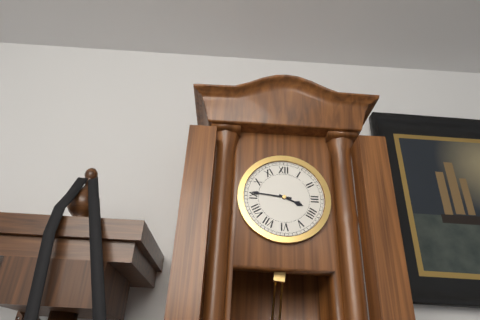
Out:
h=3 m=46
